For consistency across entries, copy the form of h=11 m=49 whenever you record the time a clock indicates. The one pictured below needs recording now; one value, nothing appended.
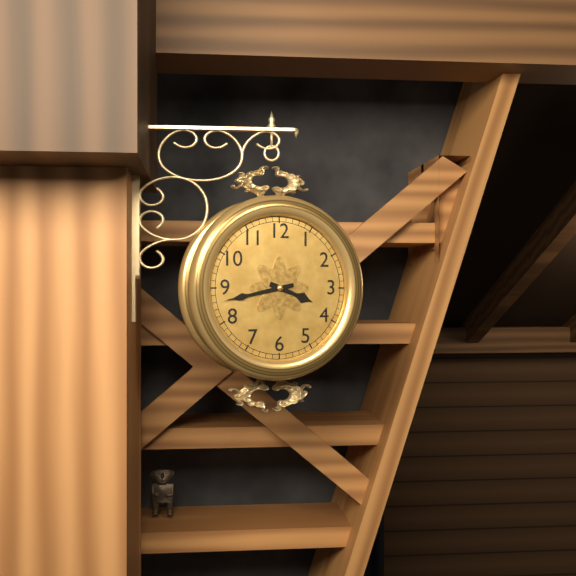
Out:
h=3 m=43
